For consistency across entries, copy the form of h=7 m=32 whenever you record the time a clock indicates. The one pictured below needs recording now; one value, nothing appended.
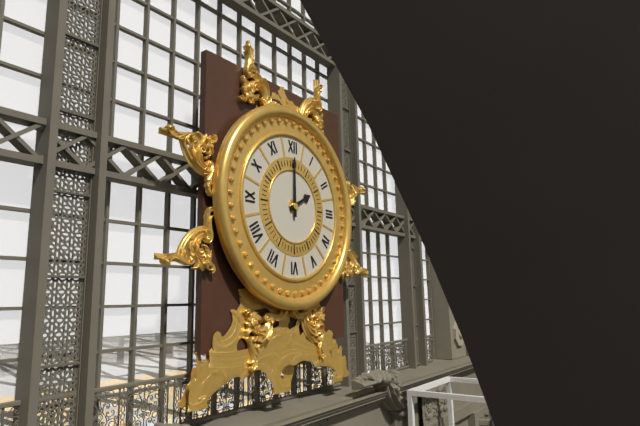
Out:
h=2 m=0
